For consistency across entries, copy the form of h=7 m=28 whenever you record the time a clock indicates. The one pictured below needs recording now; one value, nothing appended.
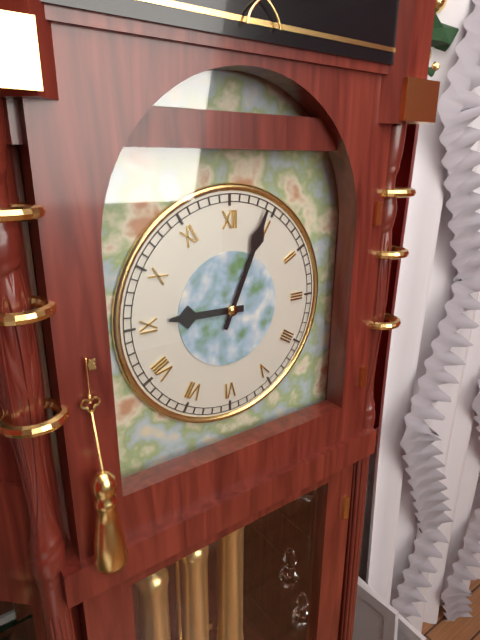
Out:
h=9 m=4
